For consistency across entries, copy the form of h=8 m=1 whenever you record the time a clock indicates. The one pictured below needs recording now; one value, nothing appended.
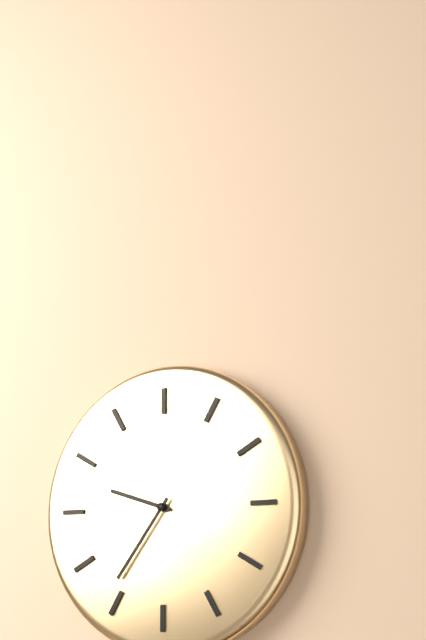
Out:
h=9 m=36
